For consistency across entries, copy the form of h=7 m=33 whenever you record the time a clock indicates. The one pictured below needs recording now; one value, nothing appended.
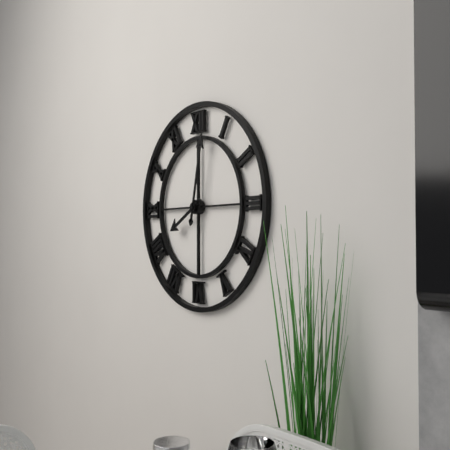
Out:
h=8 m=2
